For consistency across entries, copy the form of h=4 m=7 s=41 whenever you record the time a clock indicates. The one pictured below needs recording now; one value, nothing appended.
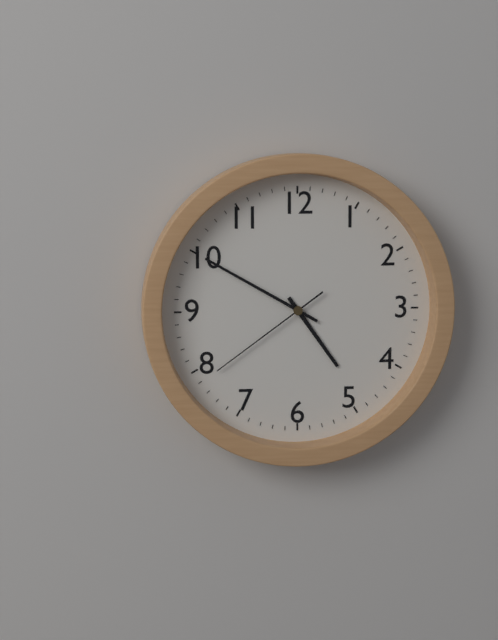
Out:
h=4 m=50 s=39
